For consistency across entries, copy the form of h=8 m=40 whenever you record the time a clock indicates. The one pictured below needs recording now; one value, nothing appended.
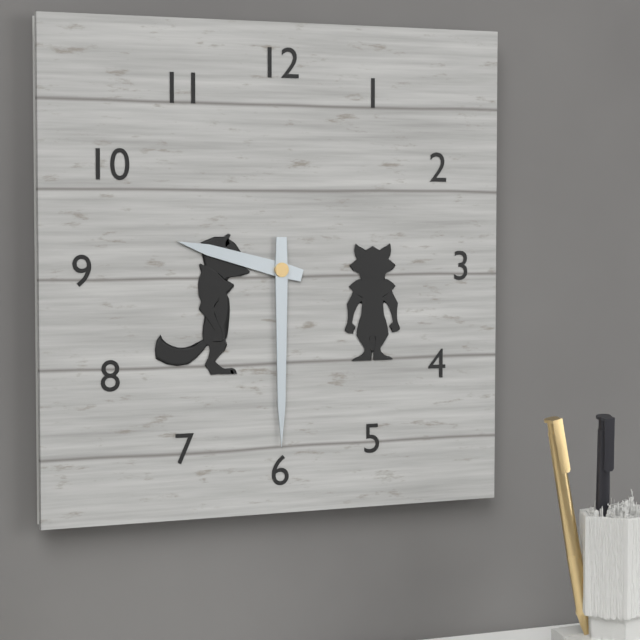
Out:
h=9 m=30
